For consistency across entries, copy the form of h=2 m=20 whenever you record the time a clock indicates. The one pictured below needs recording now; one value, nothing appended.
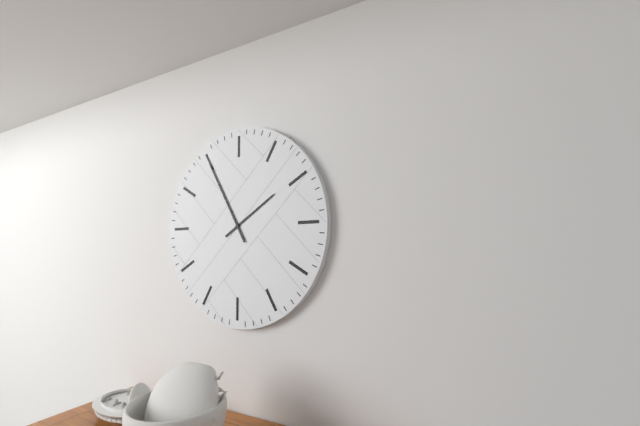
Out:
h=1 m=55
